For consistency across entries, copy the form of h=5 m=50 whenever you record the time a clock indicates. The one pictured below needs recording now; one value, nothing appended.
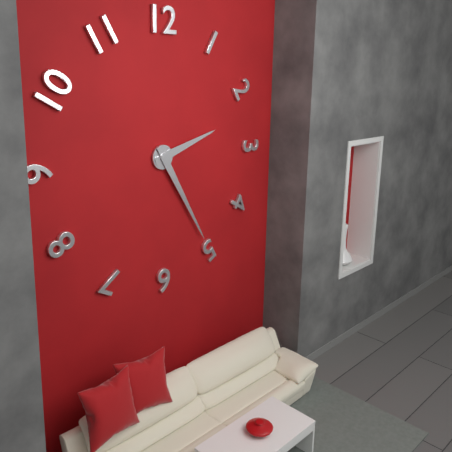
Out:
h=2 m=25
